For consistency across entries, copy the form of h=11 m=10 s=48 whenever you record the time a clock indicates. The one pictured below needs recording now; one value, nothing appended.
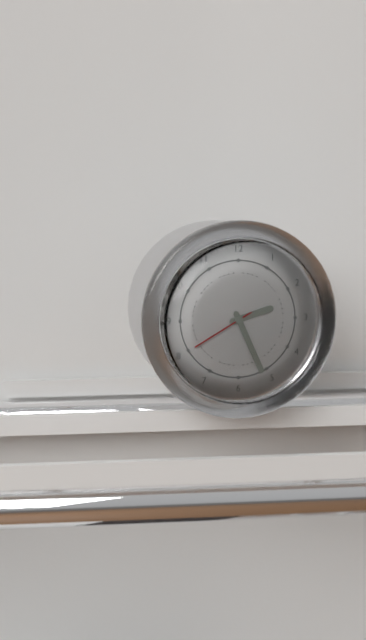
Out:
h=2 m=26 s=40
